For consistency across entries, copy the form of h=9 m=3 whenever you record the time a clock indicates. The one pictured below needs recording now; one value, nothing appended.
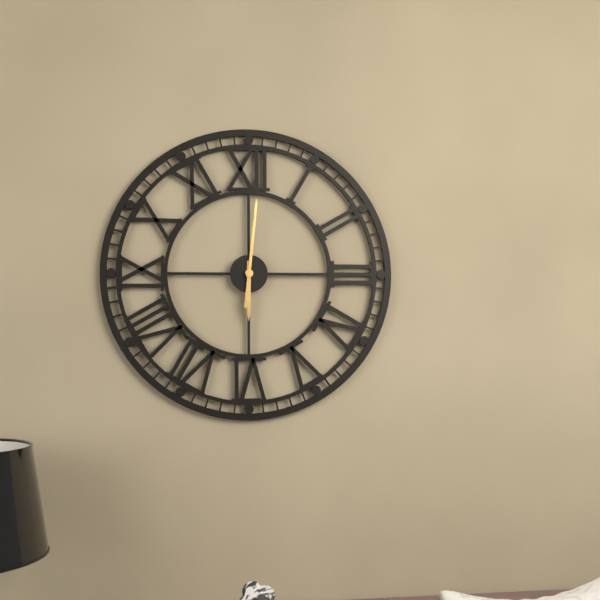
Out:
h=6 m=1
